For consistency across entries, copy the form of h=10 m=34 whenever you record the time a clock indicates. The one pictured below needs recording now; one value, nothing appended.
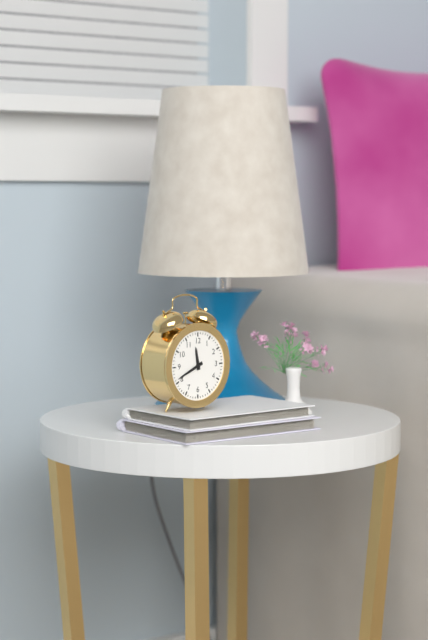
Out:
h=11 m=41
